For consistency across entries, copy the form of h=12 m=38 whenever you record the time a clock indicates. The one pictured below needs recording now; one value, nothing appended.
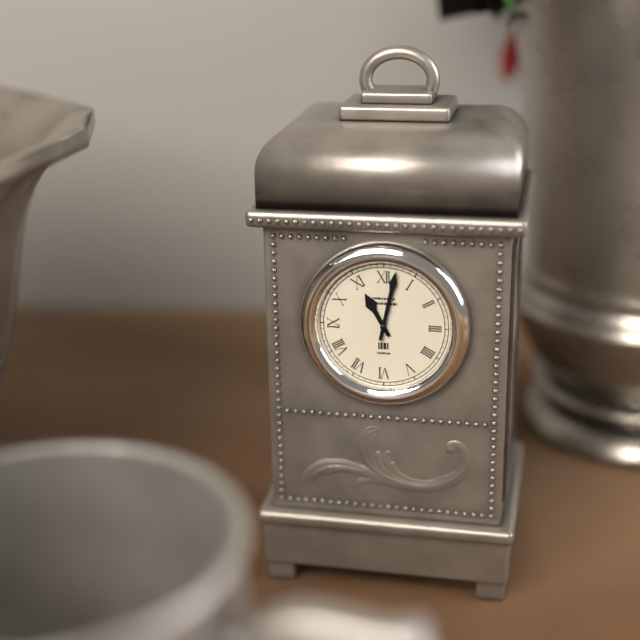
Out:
h=11 m=2
